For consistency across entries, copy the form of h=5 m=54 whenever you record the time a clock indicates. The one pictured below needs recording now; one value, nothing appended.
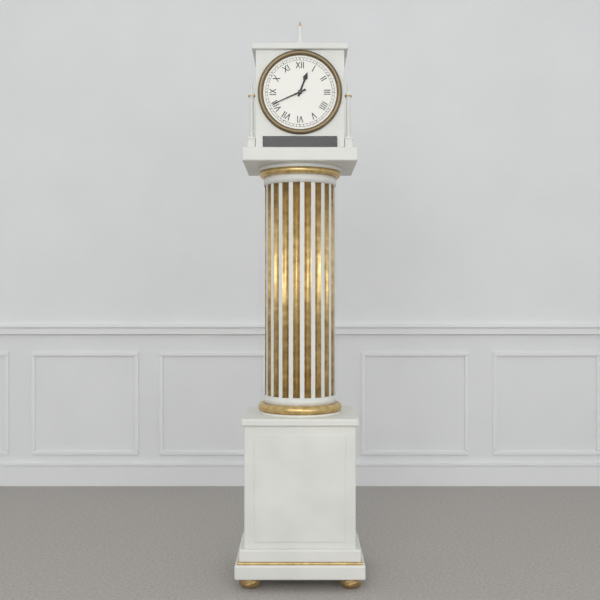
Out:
h=12 m=41
